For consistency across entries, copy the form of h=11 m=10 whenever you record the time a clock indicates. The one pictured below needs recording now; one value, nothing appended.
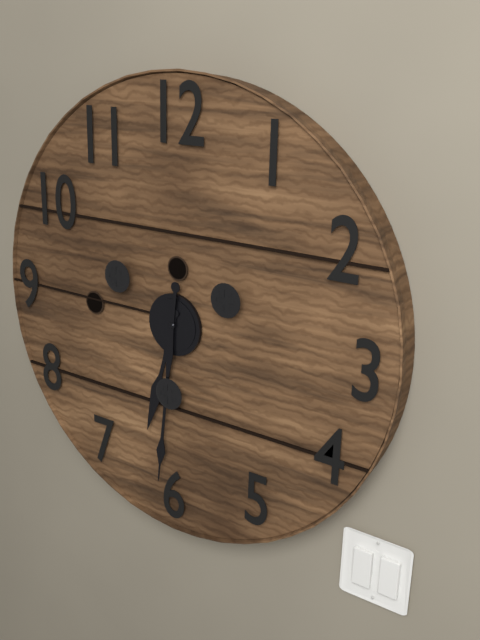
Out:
h=6 m=31
